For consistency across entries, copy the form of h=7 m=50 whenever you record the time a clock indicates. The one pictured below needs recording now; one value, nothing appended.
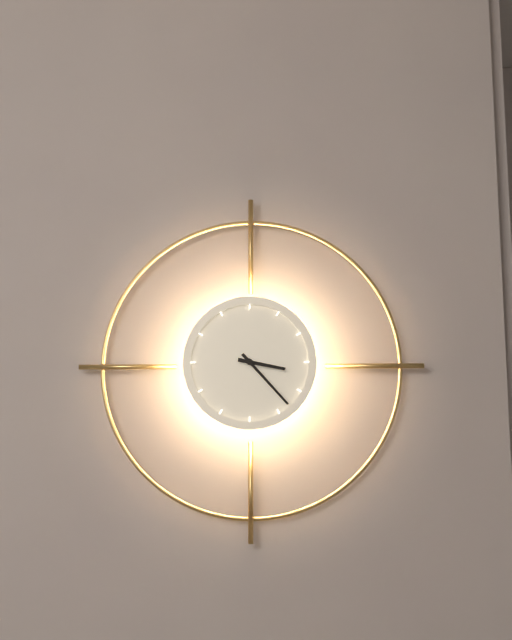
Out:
h=3 m=23
